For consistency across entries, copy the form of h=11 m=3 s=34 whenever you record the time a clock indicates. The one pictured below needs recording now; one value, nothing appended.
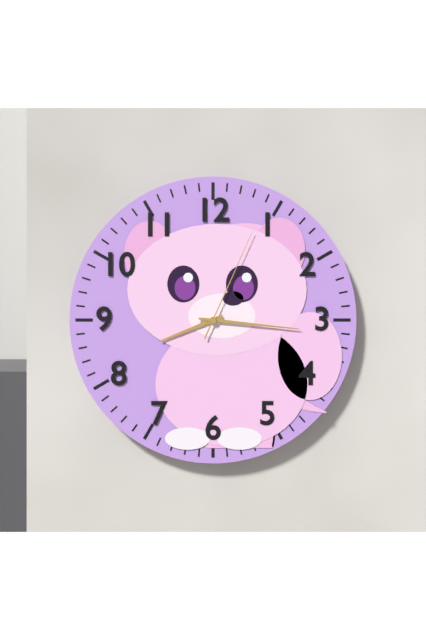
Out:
h=8 m=16 s=4
